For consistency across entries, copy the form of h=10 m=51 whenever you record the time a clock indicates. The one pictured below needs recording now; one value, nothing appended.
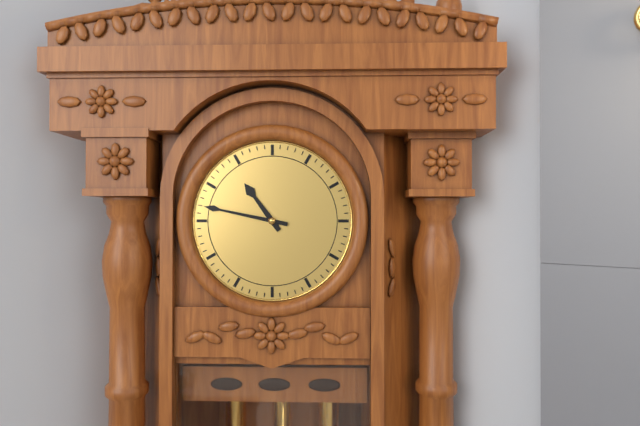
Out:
h=10 m=47
